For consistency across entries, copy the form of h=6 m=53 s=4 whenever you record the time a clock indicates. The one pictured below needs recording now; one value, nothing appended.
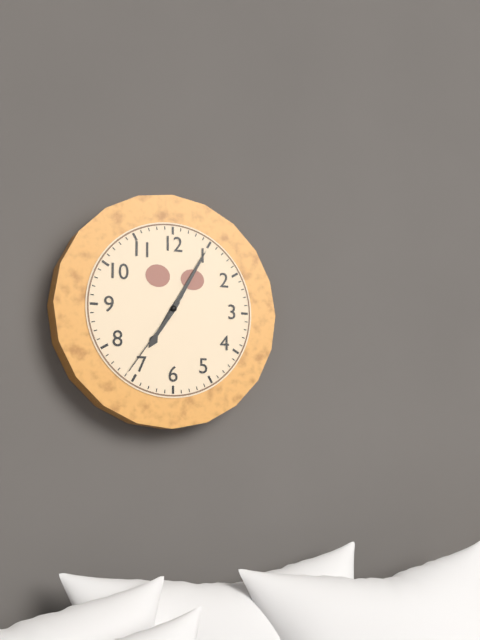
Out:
h=7 m=5 s=36
